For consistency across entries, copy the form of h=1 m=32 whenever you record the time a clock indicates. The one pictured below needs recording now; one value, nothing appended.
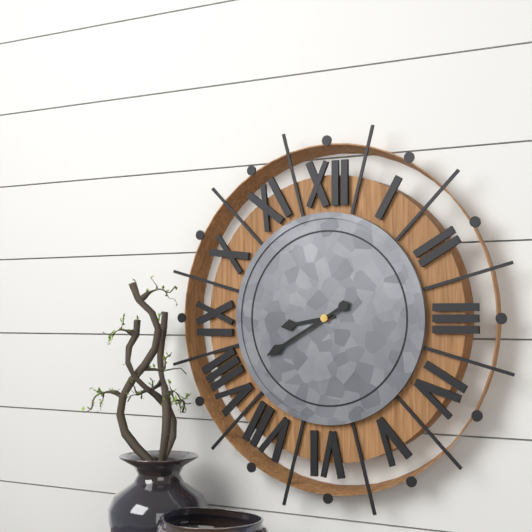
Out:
h=8 m=40
